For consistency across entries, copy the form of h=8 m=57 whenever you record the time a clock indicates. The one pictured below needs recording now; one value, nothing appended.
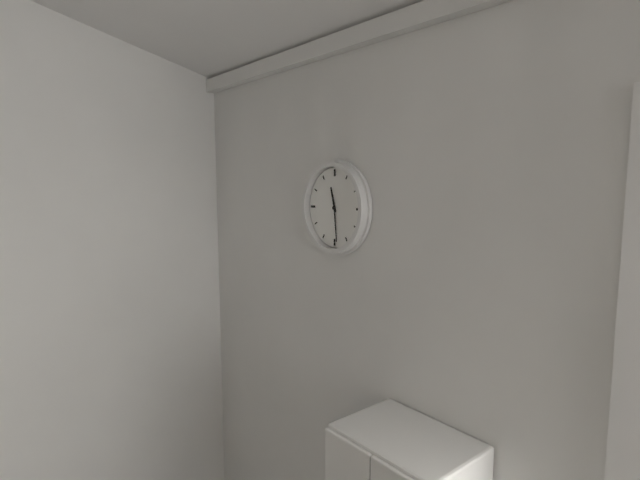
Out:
h=11 m=29
